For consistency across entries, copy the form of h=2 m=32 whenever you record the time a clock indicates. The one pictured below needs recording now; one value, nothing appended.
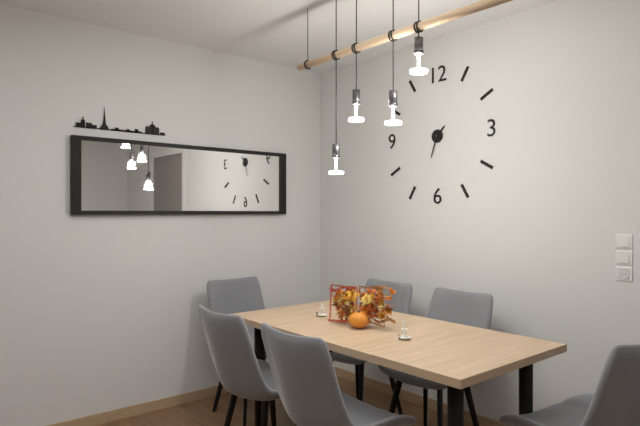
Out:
h=1 m=33
